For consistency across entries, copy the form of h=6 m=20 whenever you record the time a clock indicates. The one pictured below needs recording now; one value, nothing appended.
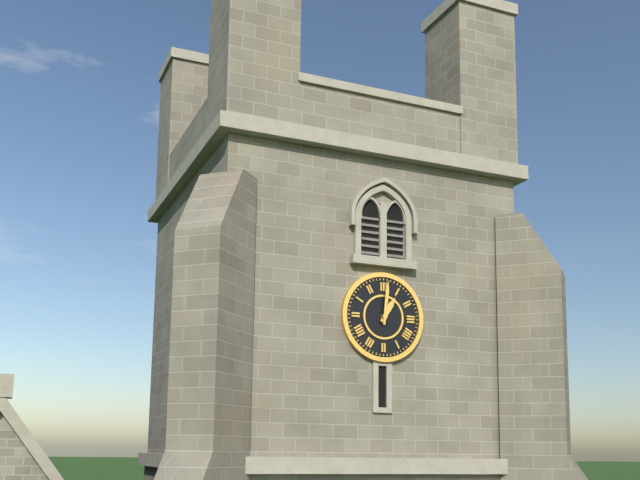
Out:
h=1 m=1
